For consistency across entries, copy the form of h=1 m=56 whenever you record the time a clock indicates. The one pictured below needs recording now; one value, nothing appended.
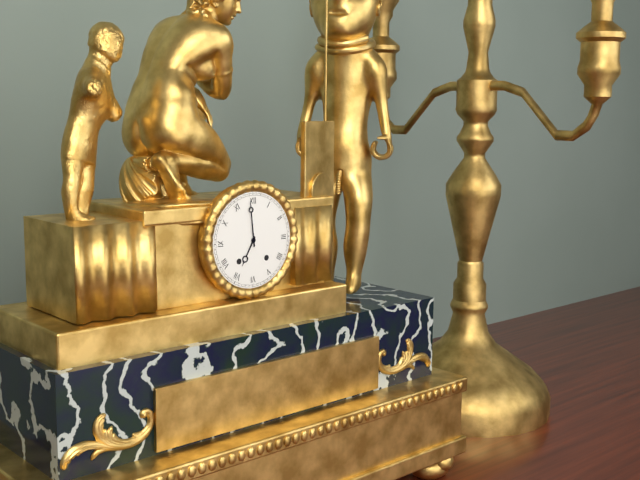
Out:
h=6 m=59
